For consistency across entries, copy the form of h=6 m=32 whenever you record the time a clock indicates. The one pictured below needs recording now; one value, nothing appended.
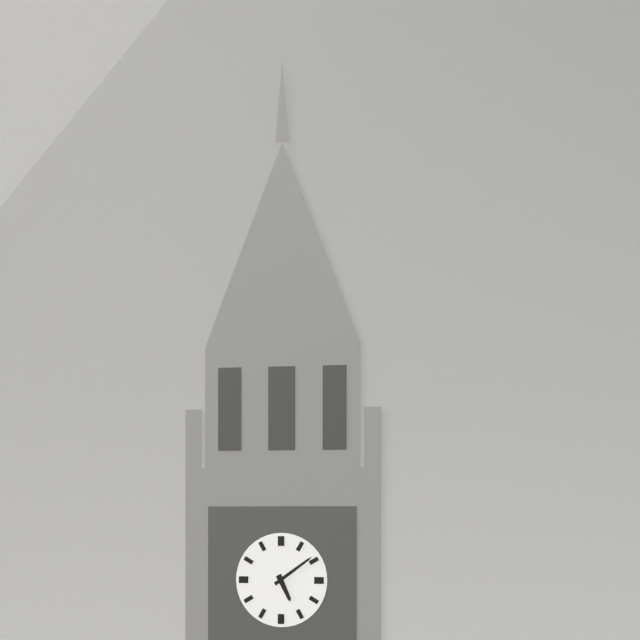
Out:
h=5 m=9
